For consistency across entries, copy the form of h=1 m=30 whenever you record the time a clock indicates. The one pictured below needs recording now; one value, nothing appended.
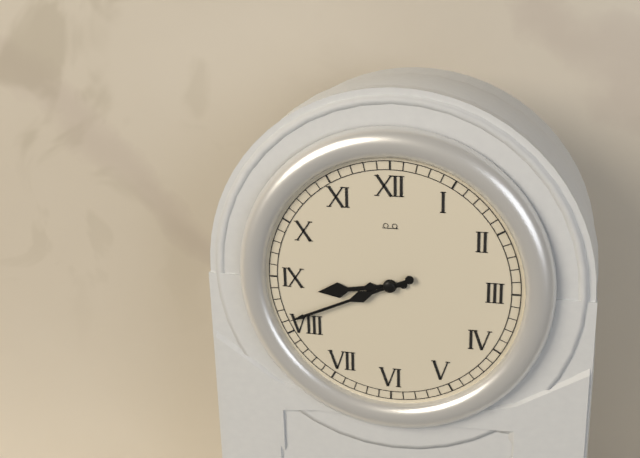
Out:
h=8 m=41
